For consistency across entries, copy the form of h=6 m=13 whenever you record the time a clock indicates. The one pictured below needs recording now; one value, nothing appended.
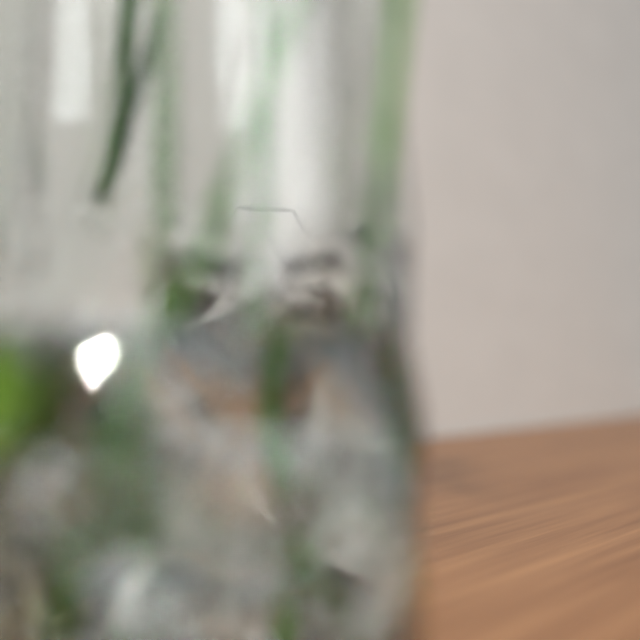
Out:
h=3 m=25
